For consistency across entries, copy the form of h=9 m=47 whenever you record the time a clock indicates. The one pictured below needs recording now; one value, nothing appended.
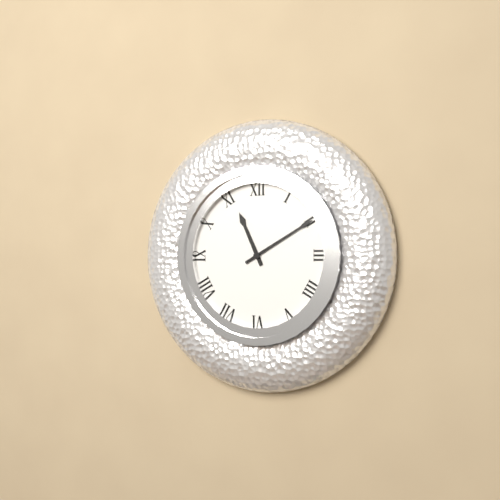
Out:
h=11 m=10
